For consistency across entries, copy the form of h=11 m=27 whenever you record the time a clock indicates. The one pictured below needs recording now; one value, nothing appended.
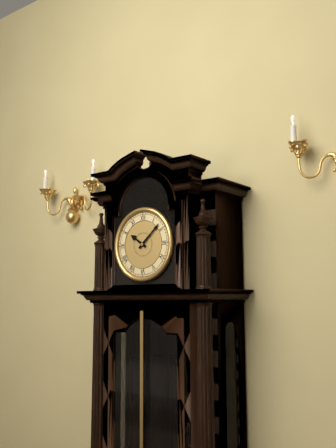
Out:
h=10 m=8
